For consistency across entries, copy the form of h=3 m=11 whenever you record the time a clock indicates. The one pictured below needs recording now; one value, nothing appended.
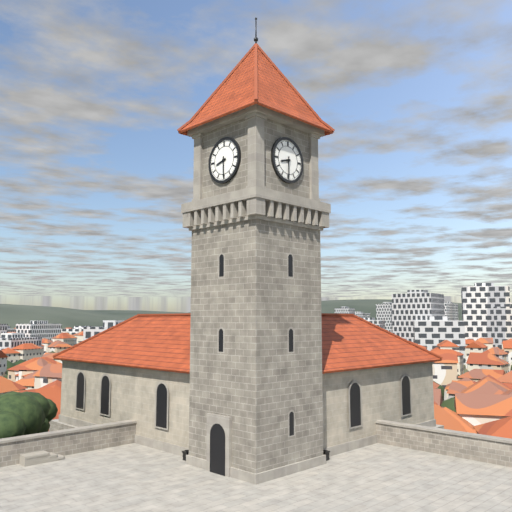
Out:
h=8 m=30
